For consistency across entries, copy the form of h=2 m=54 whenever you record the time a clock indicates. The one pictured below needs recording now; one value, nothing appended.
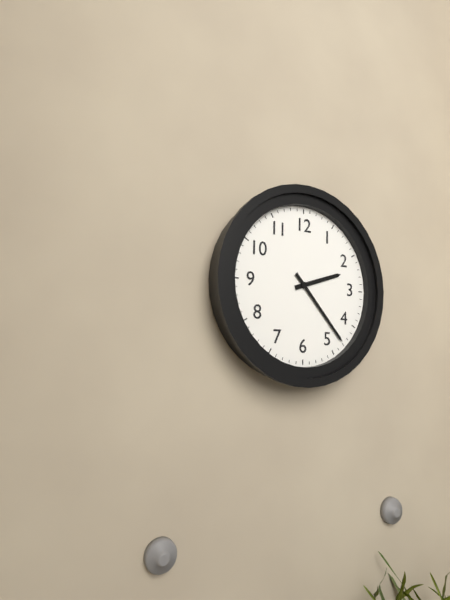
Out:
h=2 m=23
